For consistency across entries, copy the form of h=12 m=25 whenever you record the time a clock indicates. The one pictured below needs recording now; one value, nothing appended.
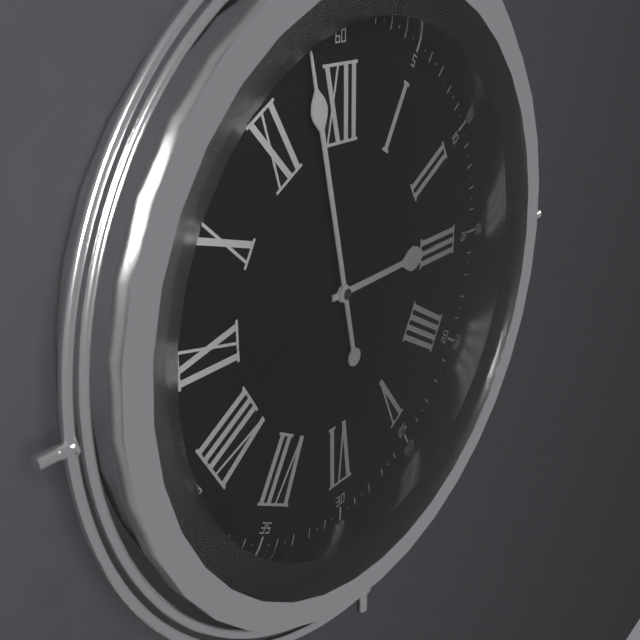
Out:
h=2 m=58
